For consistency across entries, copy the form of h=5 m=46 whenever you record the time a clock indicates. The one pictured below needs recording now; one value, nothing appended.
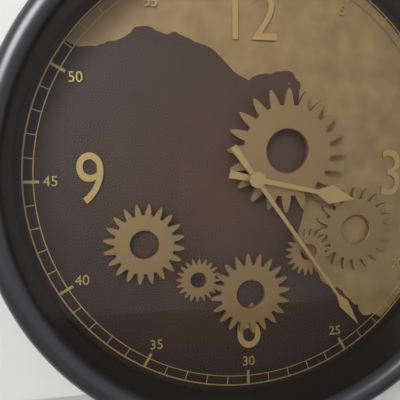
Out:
h=3 m=24
